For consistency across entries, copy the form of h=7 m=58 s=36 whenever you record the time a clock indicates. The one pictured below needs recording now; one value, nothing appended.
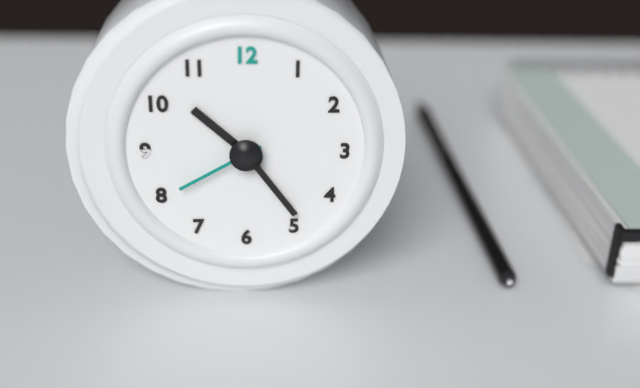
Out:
h=10 m=24 s=40
